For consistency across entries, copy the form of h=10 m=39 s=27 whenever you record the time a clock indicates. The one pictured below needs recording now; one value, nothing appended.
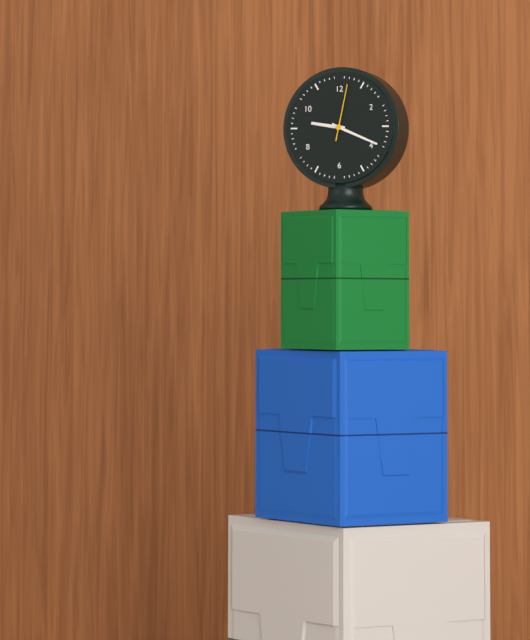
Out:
h=9 m=19 s=2
